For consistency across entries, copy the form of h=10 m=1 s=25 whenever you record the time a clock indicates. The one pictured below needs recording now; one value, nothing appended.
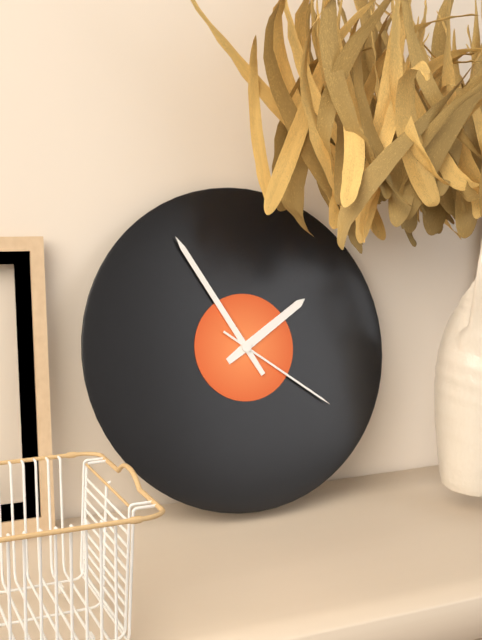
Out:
h=1 m=55 s=21
